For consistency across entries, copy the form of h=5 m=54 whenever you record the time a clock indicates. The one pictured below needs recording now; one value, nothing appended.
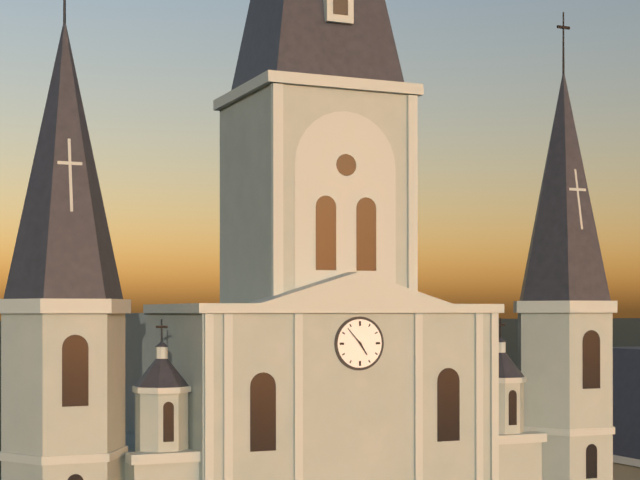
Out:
h=4 m=53
